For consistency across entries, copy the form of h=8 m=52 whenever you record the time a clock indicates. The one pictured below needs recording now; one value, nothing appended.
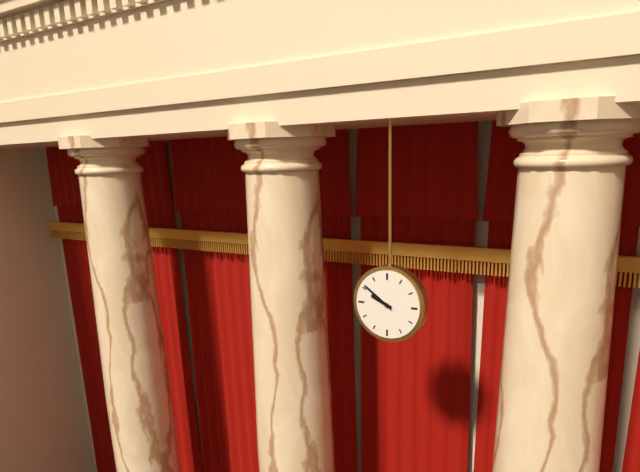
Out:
h=9 m=51
